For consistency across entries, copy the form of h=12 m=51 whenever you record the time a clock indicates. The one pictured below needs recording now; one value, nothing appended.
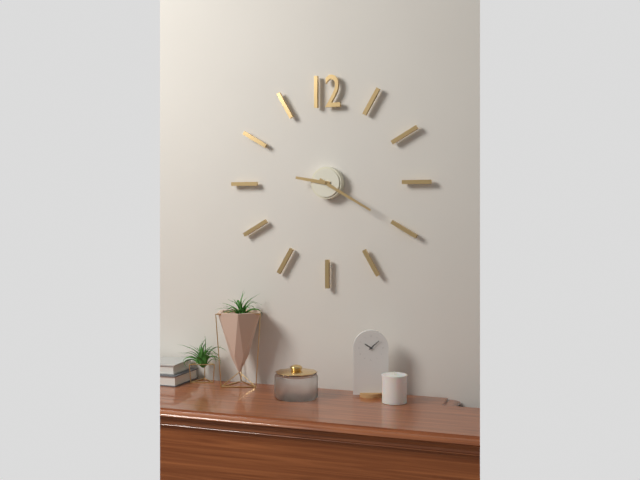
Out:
h=9 m=20
